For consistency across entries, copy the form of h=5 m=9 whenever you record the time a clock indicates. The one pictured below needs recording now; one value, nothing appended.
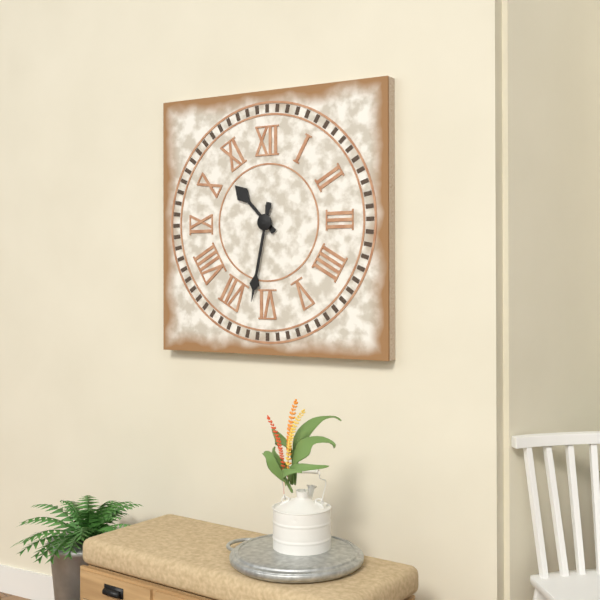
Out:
h=10 m=32
